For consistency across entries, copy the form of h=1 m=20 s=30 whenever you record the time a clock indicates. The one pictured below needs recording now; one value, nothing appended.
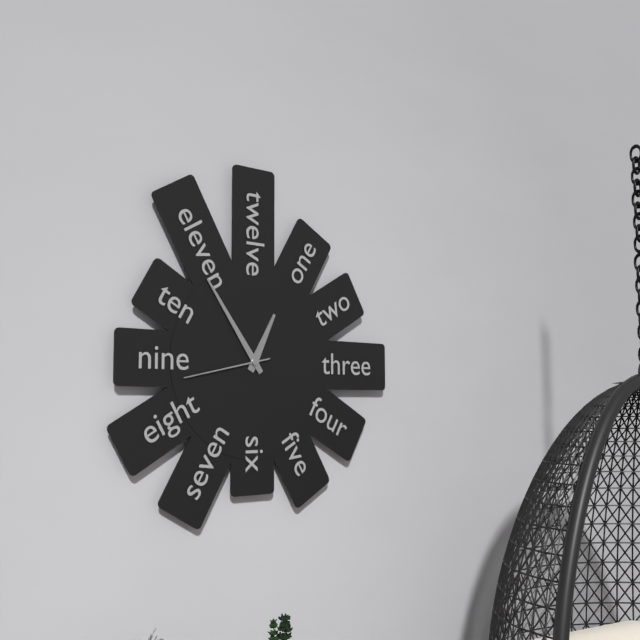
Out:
h=12 m=54 s=43
